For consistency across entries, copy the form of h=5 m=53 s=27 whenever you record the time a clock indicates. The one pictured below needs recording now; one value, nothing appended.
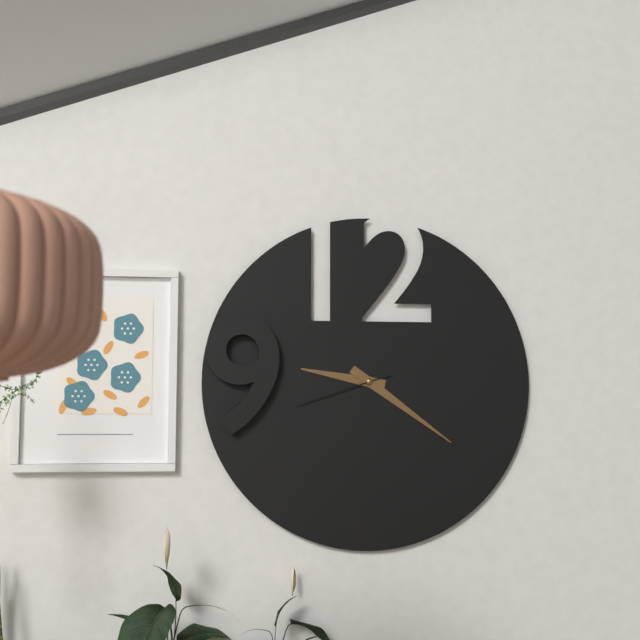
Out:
h=9 m=21 s=42
